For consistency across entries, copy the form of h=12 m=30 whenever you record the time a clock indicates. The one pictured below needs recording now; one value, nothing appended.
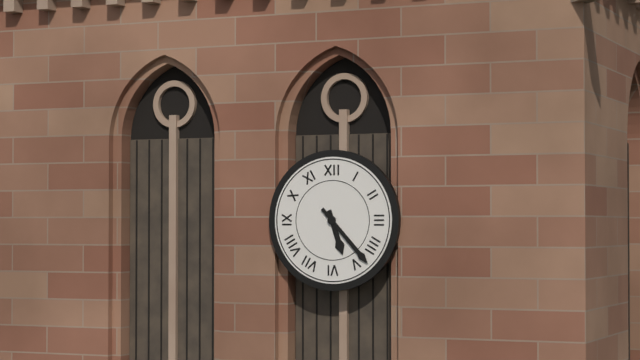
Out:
h=5 m=23
